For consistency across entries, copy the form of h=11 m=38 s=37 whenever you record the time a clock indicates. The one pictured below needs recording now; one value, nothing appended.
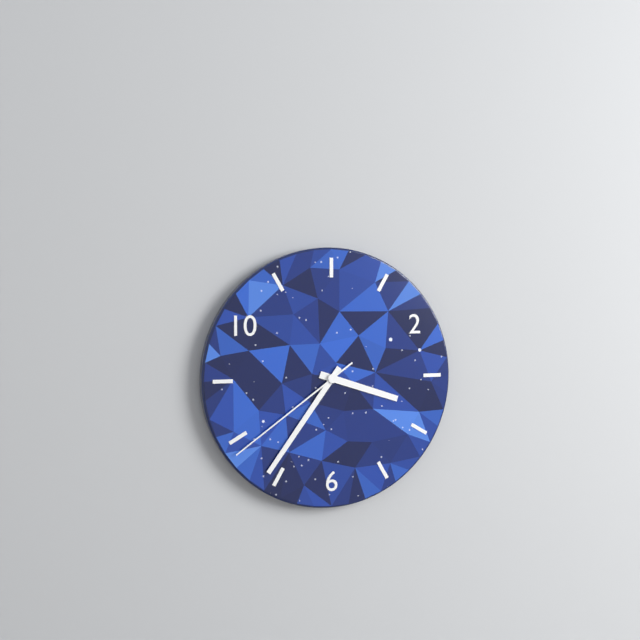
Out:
h=3 m=36 s=39
